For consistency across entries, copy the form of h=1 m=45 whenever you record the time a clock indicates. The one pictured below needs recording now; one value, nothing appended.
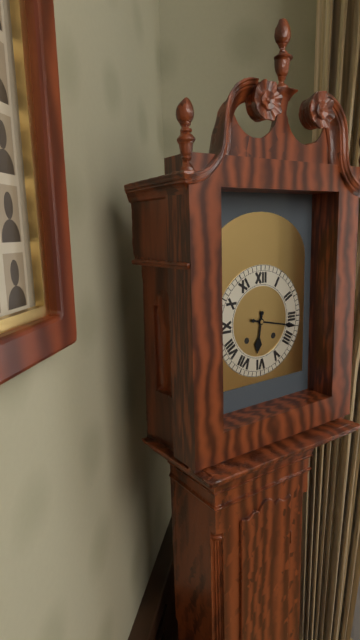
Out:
h=6 m=17
